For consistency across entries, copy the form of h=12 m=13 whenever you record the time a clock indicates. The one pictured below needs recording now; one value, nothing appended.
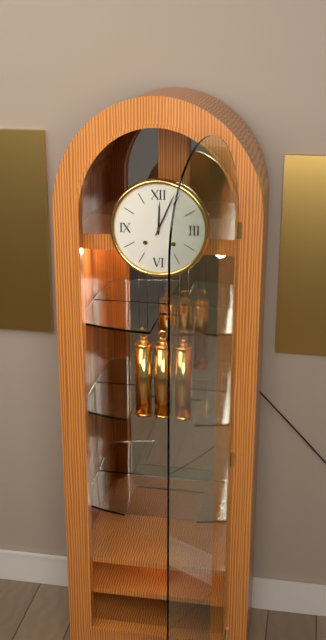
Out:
h=12 m=4
